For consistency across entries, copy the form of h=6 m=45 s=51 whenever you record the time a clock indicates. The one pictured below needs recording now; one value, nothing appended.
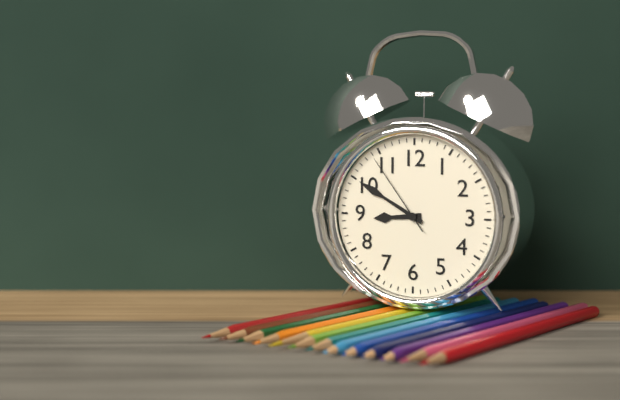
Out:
h=8 m=50 s=54
